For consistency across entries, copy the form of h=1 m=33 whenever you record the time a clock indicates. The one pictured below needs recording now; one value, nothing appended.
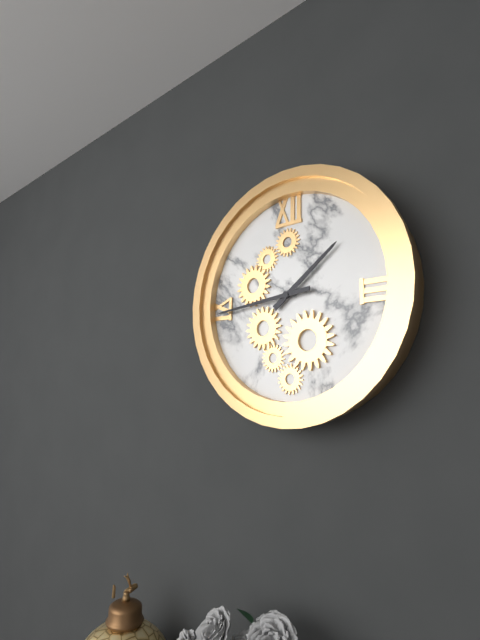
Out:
h=1 m=44
